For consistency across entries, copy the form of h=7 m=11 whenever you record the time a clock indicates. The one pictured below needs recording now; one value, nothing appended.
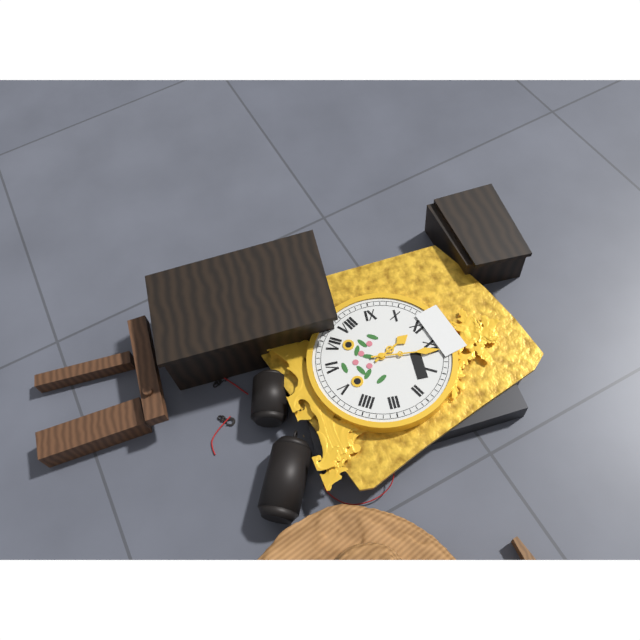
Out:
h=11 m=1
